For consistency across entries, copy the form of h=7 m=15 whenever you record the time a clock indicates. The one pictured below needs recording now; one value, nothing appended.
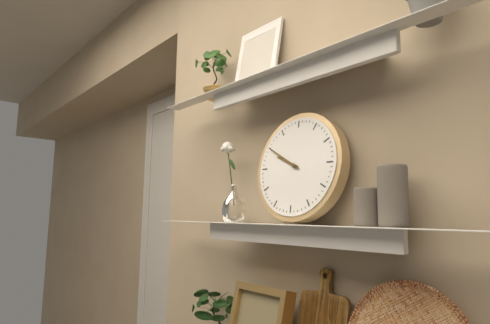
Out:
h=9 m=50
